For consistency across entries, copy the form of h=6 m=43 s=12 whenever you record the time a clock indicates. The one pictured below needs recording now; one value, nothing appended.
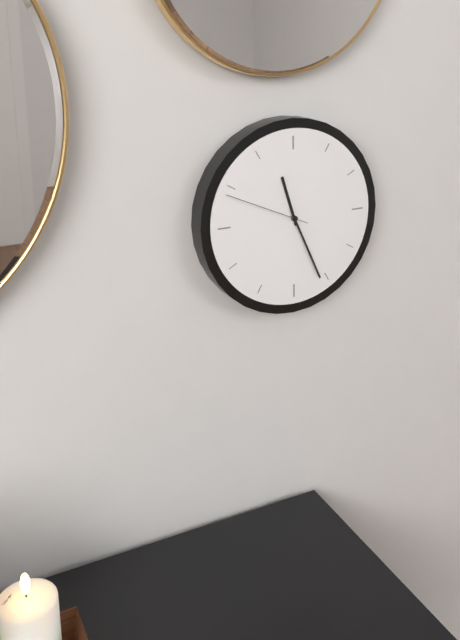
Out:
h=11 m=26 s=49
